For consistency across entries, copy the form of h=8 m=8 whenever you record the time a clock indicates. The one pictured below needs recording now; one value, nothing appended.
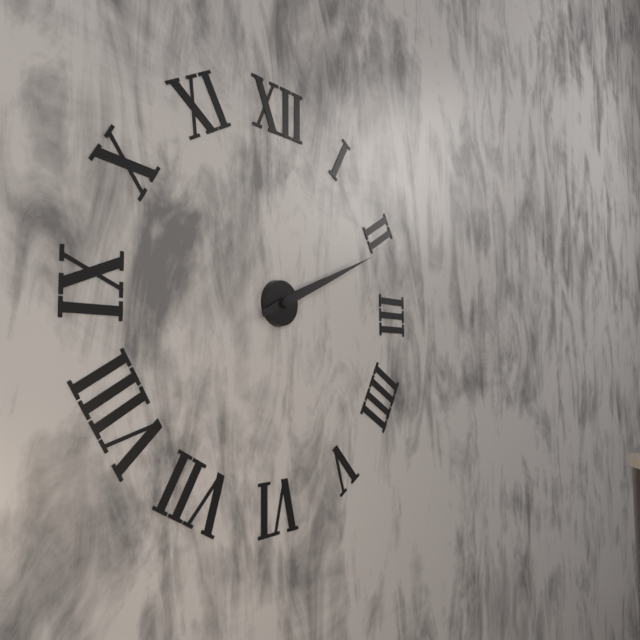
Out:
h=2 m=11
